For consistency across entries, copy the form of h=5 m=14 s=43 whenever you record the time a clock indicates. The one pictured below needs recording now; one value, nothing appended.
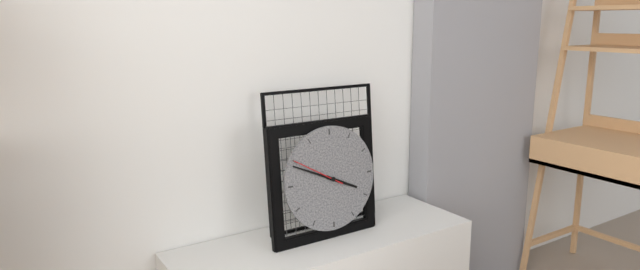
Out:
h=3 m=49 s=50
